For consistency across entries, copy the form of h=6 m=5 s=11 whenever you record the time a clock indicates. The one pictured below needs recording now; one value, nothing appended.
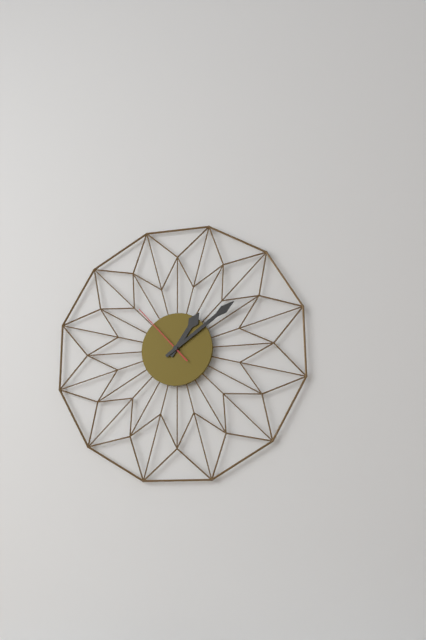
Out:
h=1 m=9 s=53
